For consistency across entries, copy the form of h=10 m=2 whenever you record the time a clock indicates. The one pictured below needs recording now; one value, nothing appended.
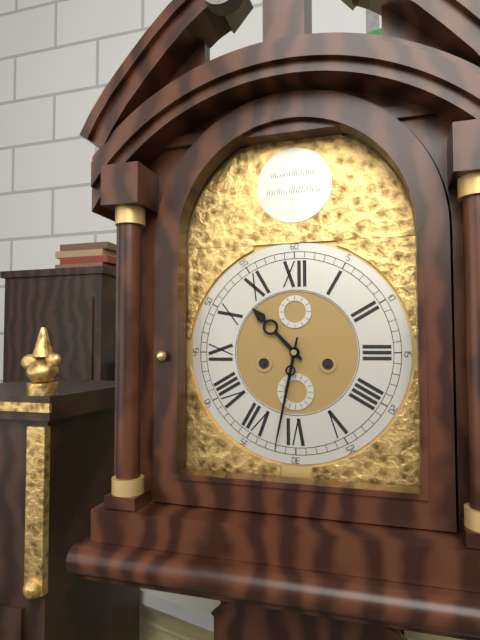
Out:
h=10 m=32
